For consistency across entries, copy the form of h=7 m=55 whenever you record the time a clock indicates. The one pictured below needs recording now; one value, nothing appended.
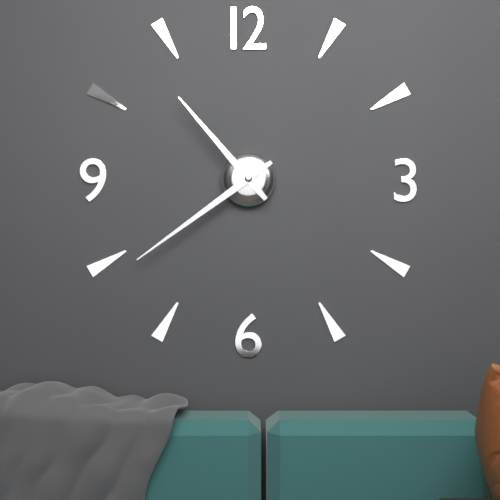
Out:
h=10 m=39
